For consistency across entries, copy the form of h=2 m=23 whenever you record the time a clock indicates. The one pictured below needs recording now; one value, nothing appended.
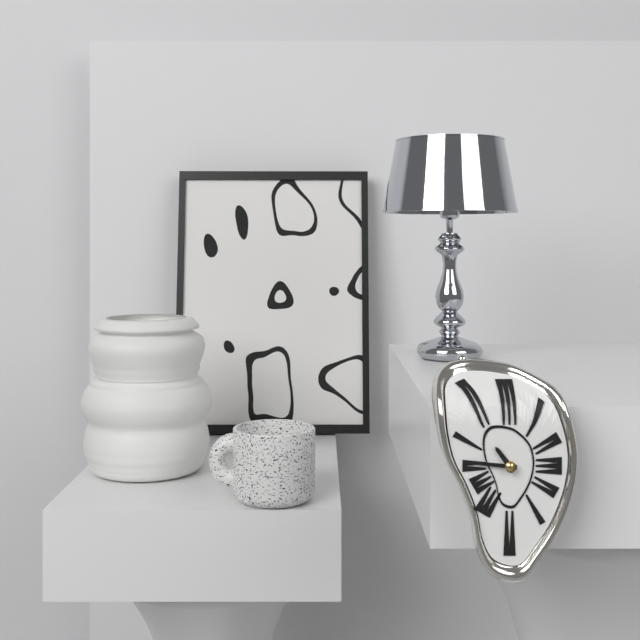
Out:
h=10 m=46
